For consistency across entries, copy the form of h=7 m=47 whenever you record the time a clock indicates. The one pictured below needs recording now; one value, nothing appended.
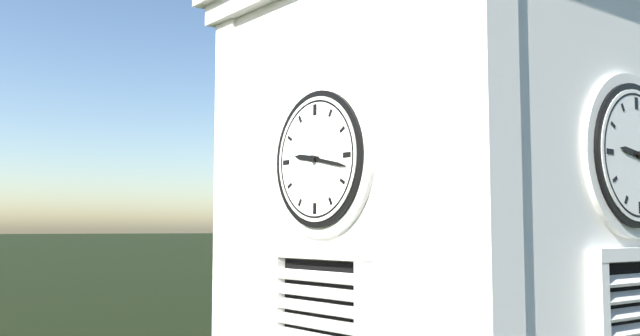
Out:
h=9 m=17
